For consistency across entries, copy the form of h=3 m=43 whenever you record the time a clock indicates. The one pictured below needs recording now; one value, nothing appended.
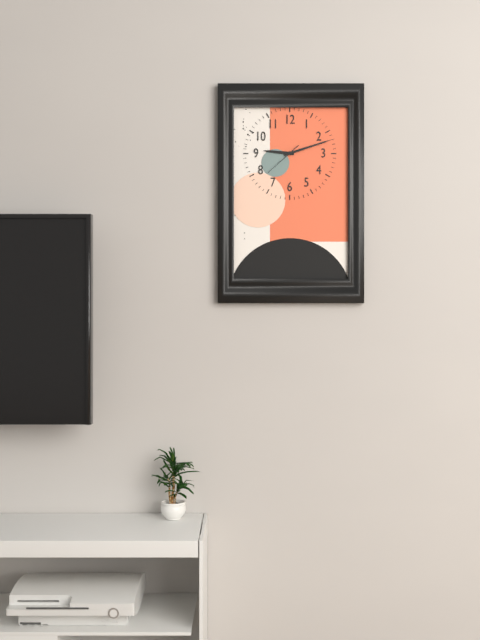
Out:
h=9 m=12
